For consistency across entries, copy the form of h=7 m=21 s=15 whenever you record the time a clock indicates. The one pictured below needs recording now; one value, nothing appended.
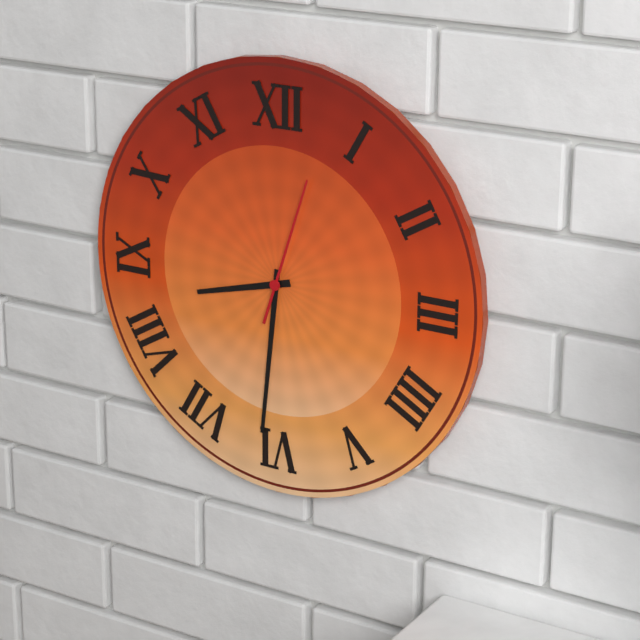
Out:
h=8 m=31 s=3
